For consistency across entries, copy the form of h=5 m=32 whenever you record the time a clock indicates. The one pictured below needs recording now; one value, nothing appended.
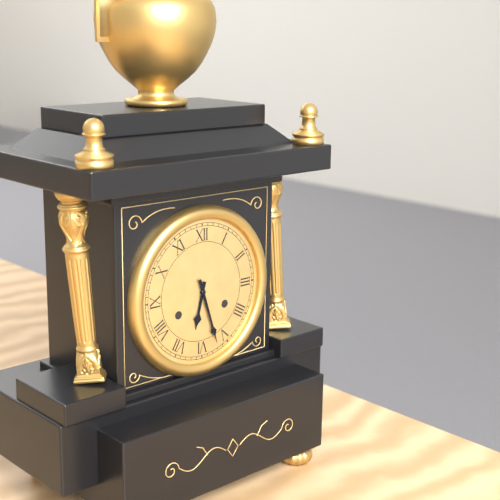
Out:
h=6 m=27
